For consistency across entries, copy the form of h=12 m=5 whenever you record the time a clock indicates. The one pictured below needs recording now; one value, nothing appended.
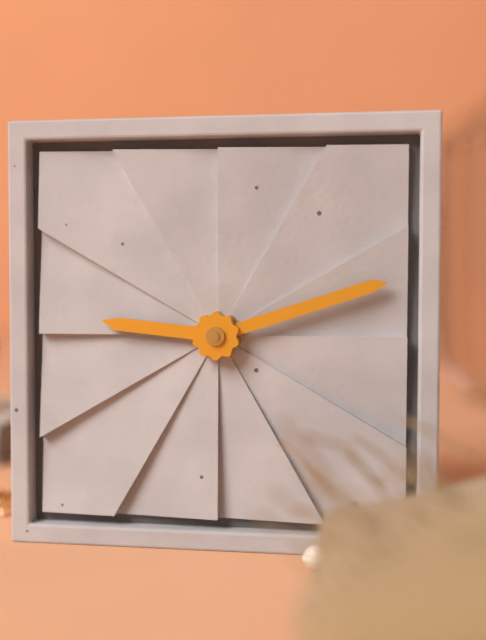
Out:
h=9 m=12
